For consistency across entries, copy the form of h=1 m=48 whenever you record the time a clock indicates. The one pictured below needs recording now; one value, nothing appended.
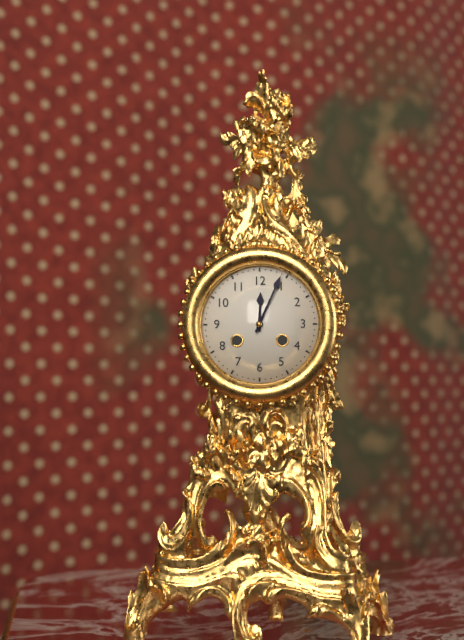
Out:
h=12 m=4
